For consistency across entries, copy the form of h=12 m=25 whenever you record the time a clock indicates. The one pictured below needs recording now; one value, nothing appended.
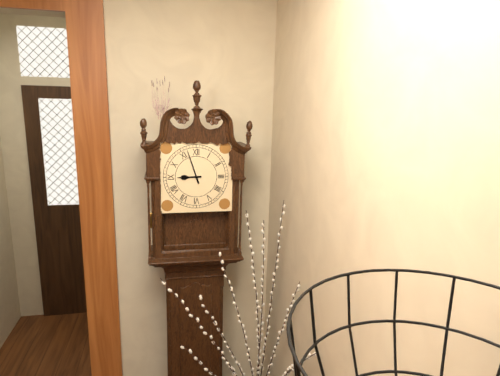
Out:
h=8 m=57
